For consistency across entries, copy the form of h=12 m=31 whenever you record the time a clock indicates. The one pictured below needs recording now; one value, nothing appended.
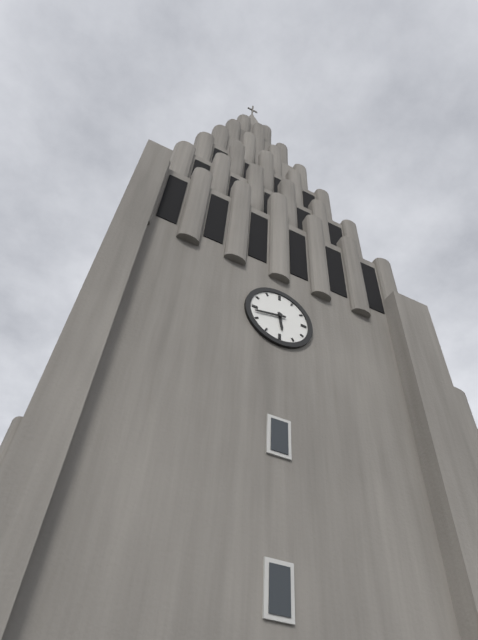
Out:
h=5 m=43
